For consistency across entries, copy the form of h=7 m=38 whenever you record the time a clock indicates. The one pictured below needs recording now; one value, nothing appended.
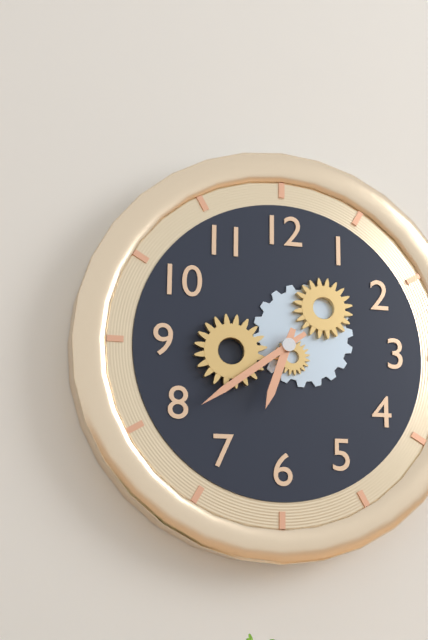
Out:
h=6 m=39
